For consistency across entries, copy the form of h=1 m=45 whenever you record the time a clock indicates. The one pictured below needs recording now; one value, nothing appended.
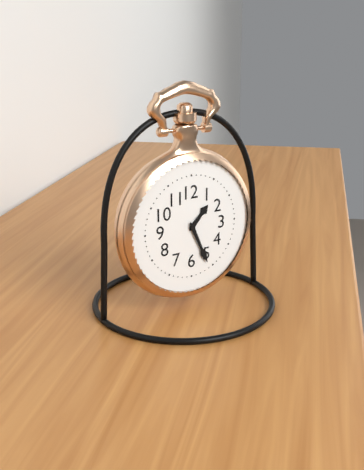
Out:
h=1 m=26
